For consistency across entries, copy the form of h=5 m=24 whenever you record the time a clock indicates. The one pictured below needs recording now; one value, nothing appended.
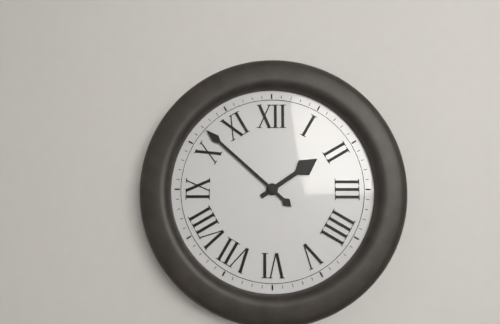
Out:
h=1 m=52
